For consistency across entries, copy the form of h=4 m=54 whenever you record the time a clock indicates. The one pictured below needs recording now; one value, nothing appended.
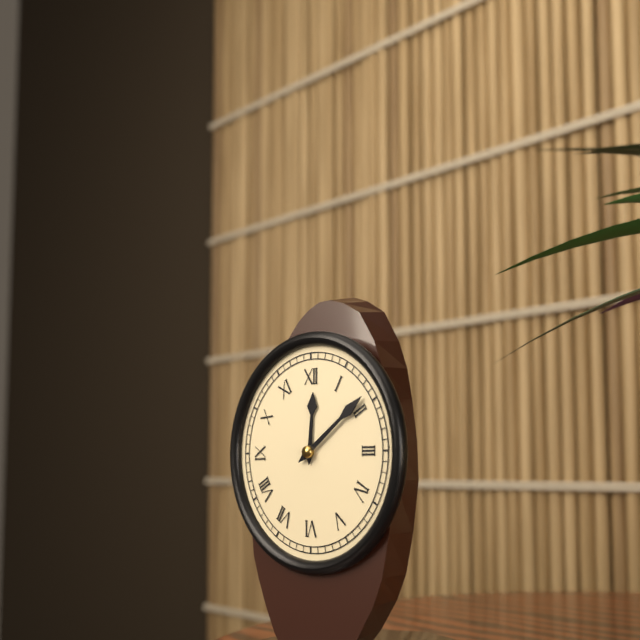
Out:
h=12 m=9
